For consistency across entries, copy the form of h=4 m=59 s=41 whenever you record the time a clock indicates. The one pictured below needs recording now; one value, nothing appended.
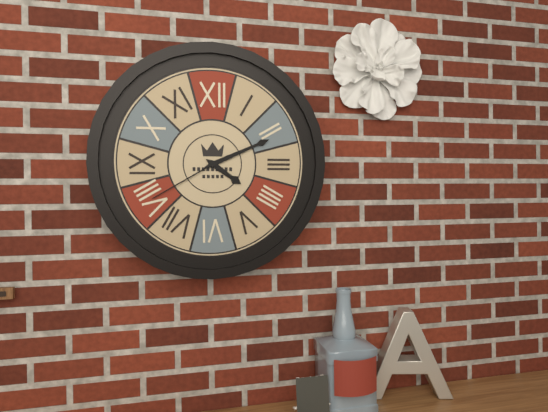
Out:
h=4 m=11 s=40
